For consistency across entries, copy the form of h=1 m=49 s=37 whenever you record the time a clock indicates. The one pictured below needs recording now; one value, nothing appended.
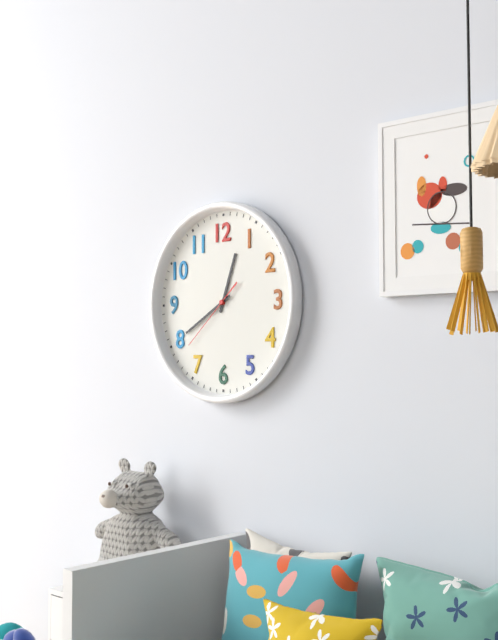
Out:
h=12 m=40 s=38
